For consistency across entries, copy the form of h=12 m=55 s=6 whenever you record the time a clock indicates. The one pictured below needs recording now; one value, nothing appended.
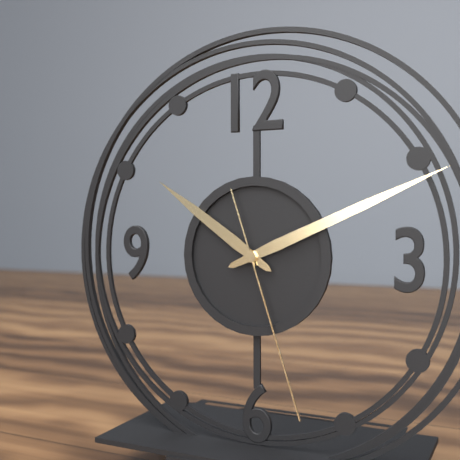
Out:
h=10 m=11 s=27
